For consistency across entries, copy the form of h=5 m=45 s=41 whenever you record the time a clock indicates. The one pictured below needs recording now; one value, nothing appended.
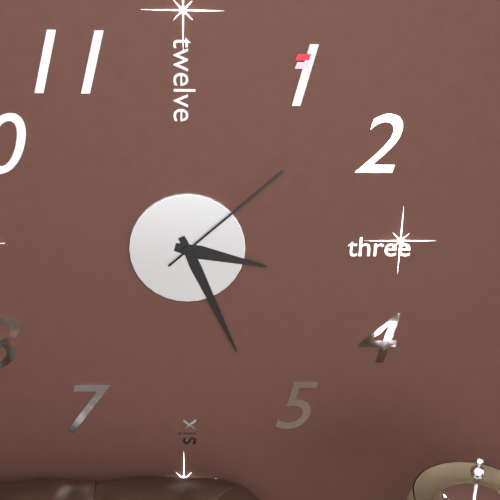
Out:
h=3 m=26 s=8
